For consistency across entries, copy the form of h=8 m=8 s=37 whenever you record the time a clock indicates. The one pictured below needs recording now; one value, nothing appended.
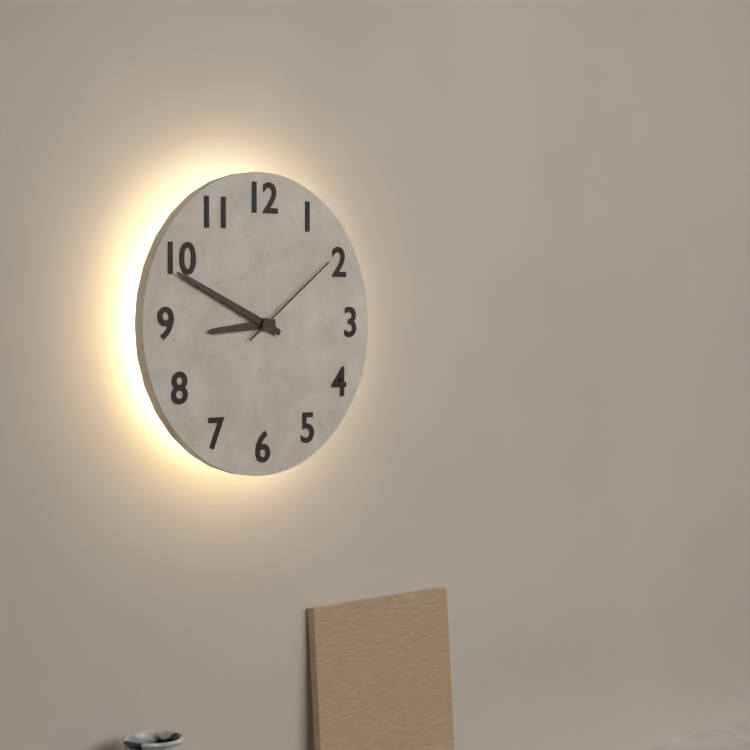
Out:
h=8 m=49 s=9
